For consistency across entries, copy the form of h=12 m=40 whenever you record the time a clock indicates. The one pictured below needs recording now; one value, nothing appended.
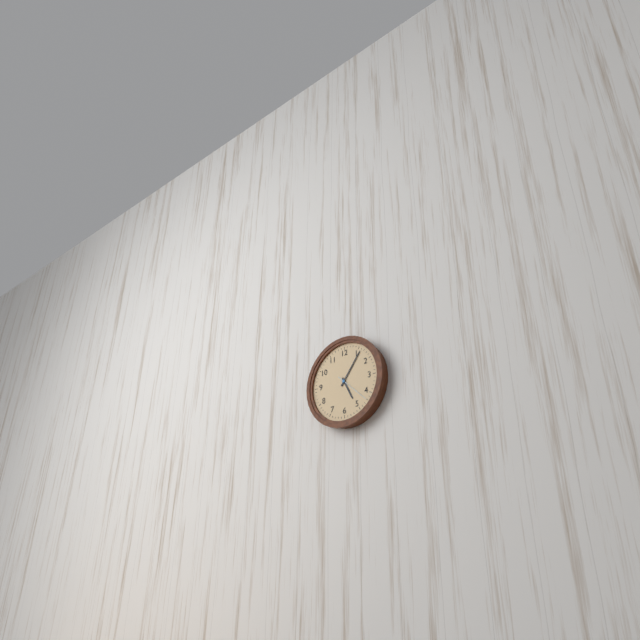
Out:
h=5 m=6
